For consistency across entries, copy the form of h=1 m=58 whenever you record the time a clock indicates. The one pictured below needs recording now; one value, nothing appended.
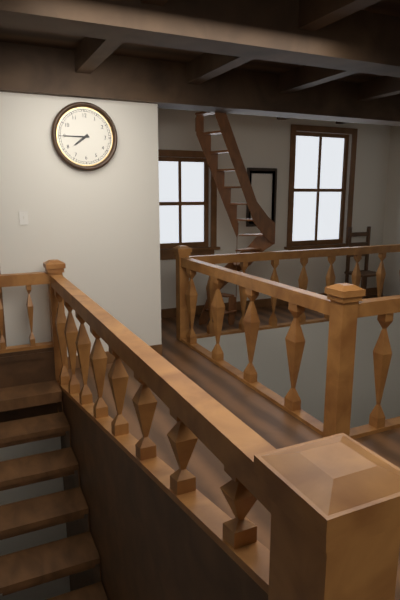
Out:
h=7 m=45
